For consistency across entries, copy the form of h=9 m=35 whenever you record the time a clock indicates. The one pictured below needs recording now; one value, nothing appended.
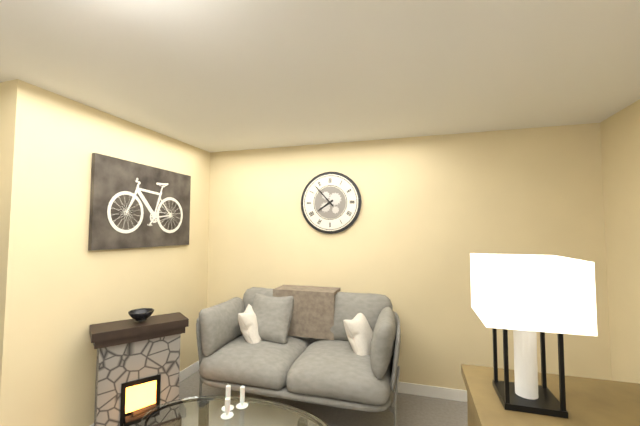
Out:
h=7 m=53
